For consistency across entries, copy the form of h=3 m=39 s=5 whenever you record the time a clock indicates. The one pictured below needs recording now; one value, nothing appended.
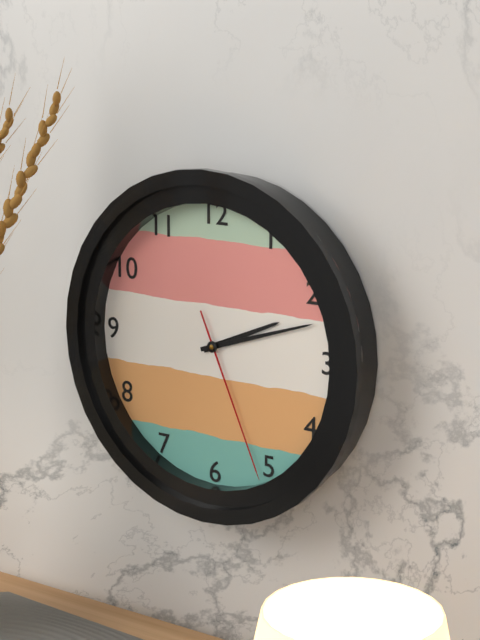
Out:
h=2 m=12 s=26
